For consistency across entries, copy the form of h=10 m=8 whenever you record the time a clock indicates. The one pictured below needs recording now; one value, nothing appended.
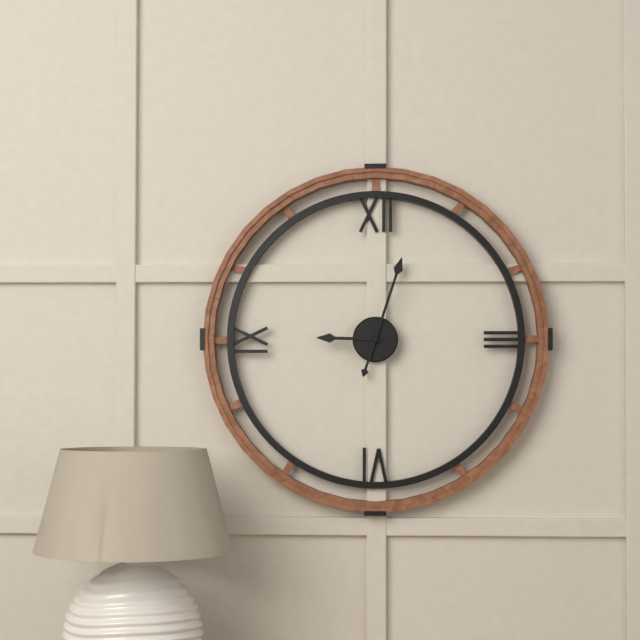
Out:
h=9 m=3
